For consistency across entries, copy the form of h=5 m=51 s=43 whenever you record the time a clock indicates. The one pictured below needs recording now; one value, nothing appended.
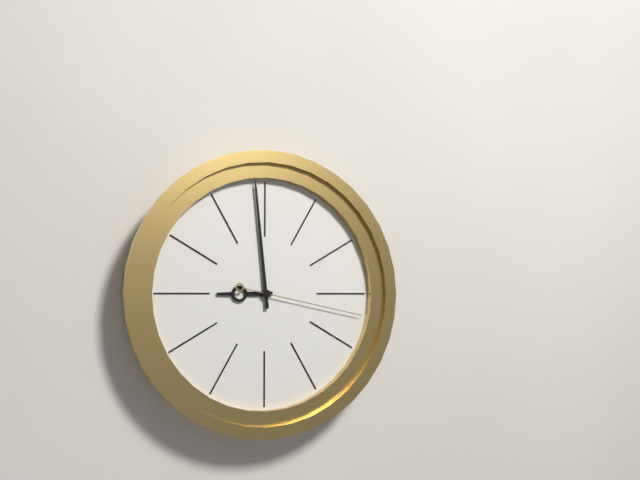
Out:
h=8 m=59 s=17
